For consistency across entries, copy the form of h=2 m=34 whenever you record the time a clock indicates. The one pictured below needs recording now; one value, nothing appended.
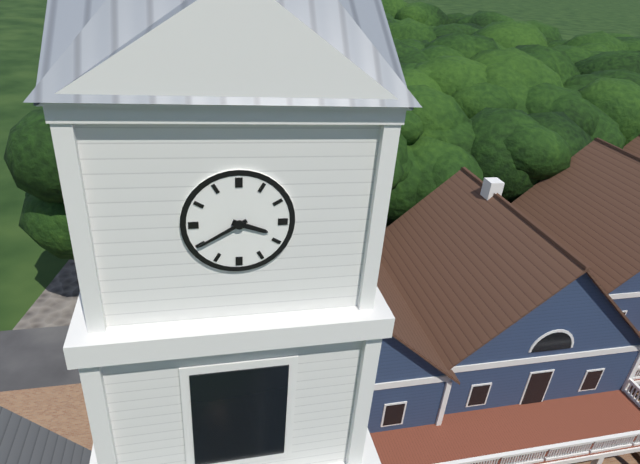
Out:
h=3 m=40
